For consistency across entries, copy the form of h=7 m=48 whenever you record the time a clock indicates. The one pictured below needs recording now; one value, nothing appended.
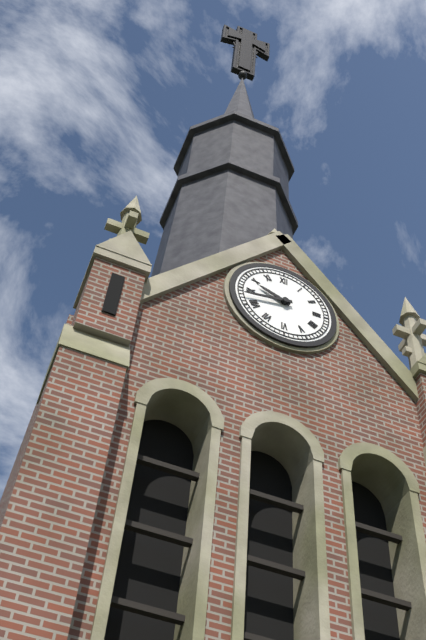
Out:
h=9 m=43
